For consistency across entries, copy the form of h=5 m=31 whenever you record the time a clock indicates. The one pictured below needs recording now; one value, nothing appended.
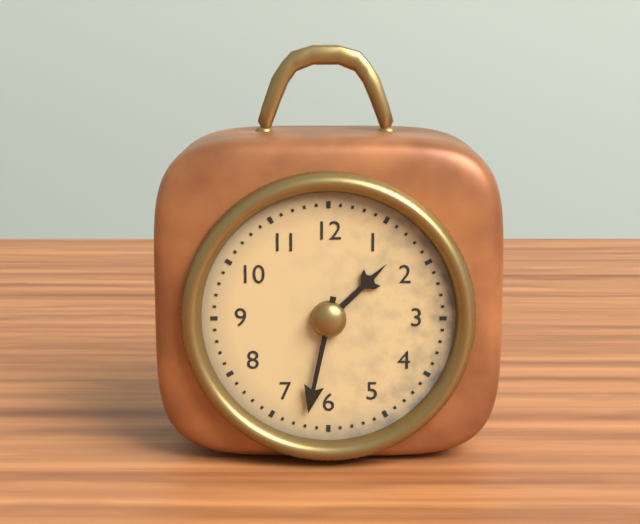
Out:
h=1 m=32
